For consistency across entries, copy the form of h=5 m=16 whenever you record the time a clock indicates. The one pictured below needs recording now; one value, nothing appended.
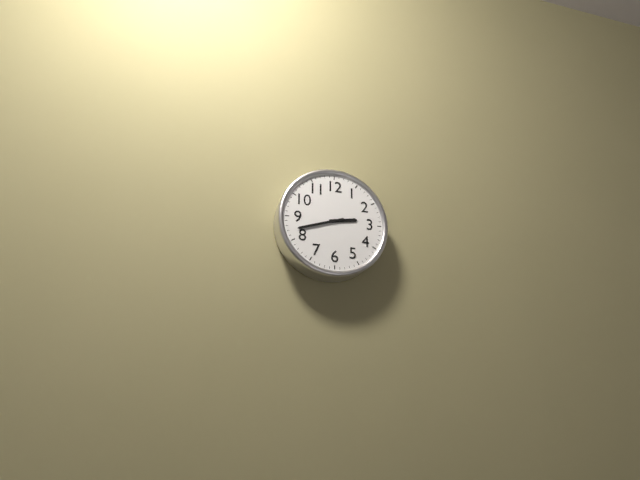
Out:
h=2 m=42
